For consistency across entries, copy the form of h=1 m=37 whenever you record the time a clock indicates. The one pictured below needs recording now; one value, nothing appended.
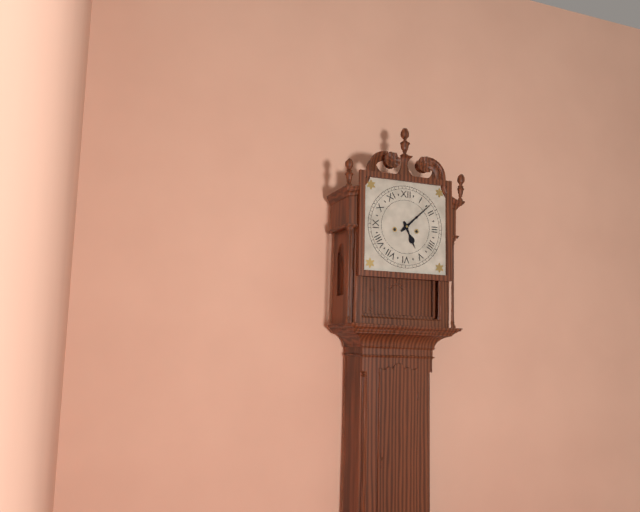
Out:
h=5 m=8
